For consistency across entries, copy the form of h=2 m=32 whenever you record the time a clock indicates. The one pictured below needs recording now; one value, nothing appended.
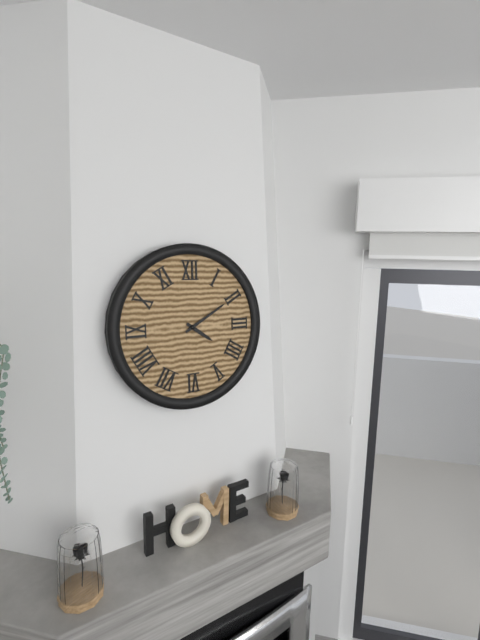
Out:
h=4 m=10
